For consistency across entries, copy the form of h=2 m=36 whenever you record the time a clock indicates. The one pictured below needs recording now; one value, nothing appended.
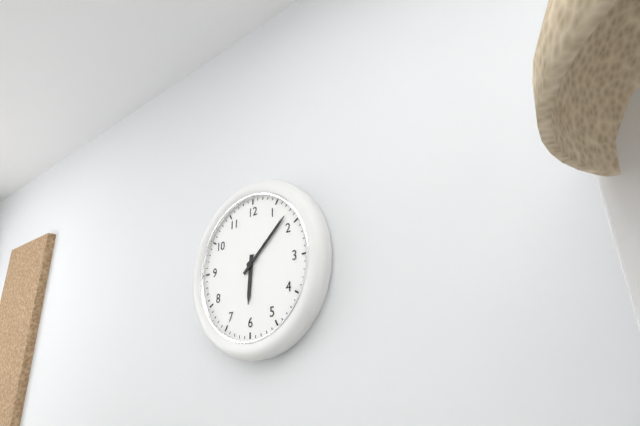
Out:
h=6 m=8
